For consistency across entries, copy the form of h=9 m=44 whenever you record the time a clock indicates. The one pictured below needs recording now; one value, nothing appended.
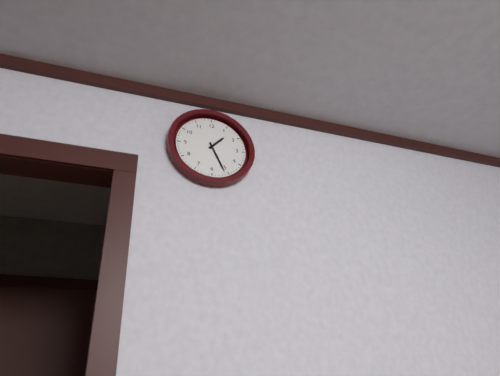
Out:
h=1 m=26
